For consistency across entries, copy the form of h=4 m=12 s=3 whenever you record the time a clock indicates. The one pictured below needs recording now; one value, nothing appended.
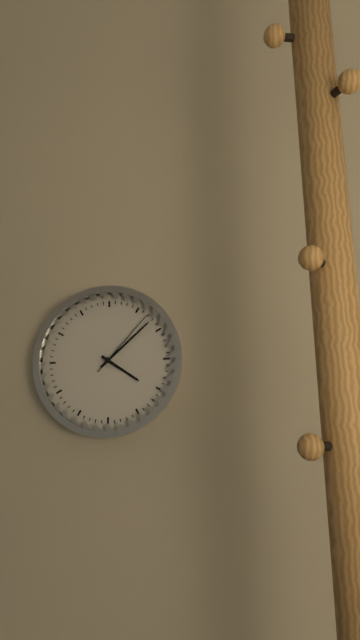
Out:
h=4 m=8 s=7
